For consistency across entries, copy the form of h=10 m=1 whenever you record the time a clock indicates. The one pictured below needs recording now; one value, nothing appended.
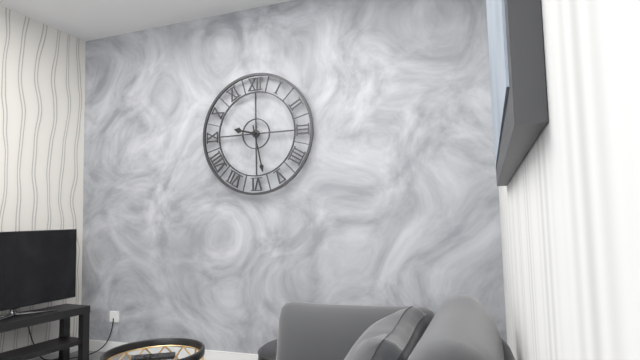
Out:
h=9 m=28
